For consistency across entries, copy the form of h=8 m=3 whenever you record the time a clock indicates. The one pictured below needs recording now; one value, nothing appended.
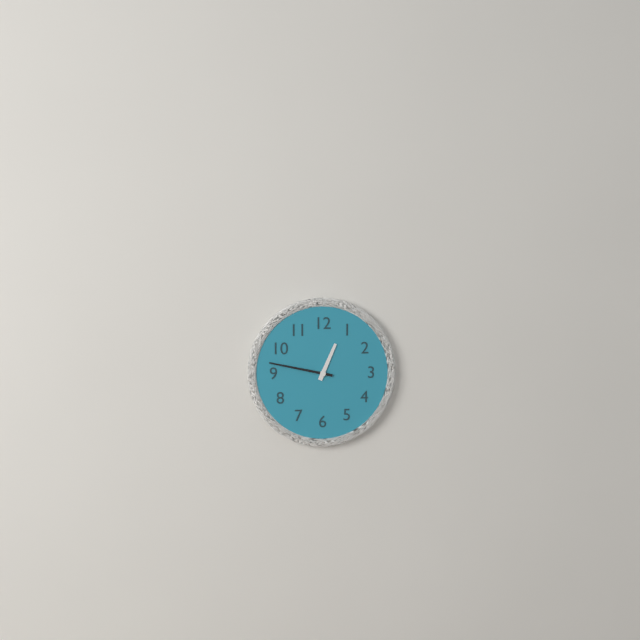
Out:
h=12 m=47
